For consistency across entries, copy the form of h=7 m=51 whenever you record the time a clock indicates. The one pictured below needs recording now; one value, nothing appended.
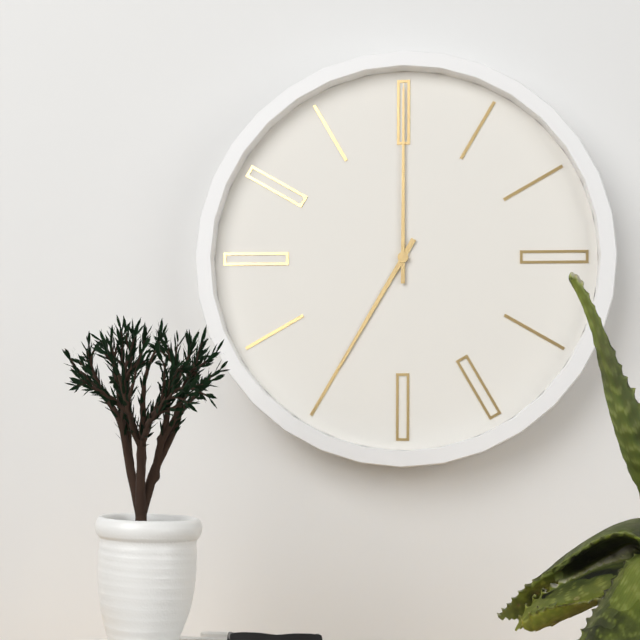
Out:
h=7 m=0
